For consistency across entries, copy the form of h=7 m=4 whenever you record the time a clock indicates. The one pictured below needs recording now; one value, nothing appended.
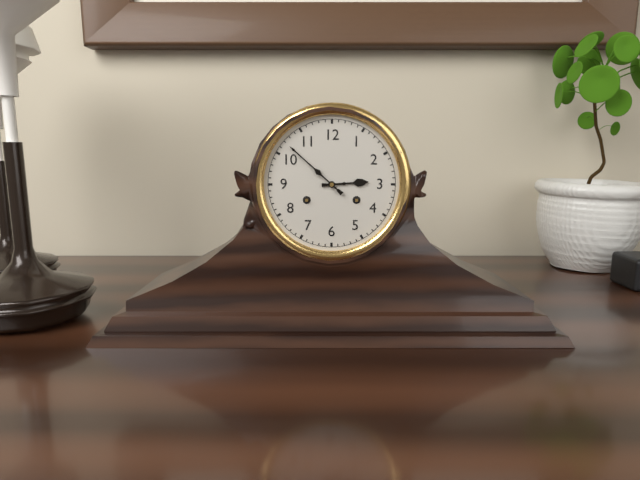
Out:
h=2 m=52
